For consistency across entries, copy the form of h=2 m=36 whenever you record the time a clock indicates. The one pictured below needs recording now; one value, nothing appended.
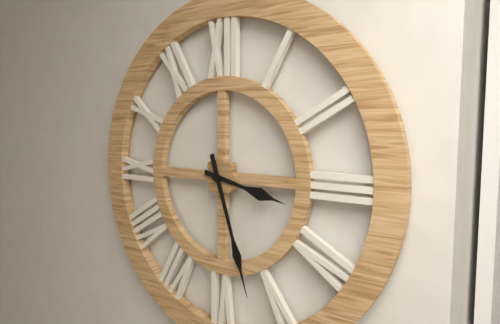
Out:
h=3 m=27
